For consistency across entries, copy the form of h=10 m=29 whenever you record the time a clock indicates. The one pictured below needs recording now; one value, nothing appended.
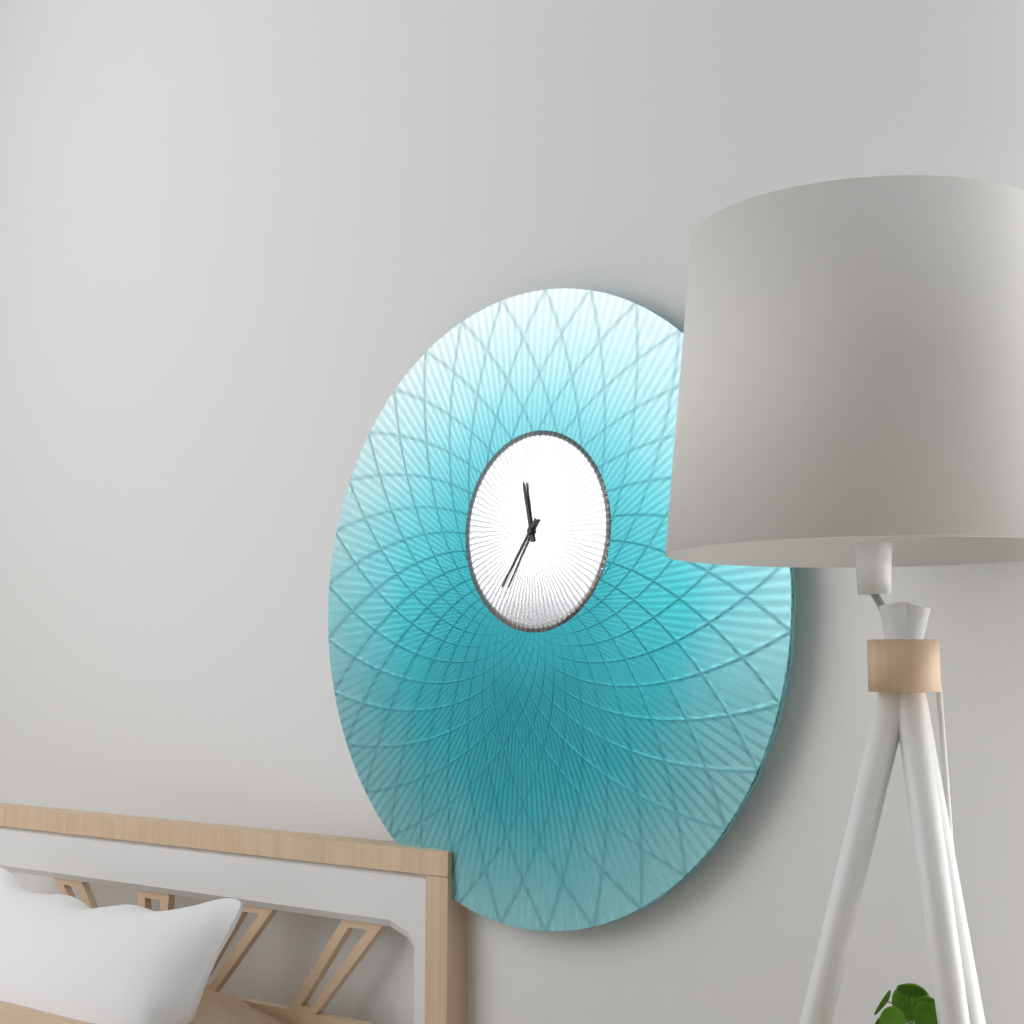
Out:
h=11 m=36
